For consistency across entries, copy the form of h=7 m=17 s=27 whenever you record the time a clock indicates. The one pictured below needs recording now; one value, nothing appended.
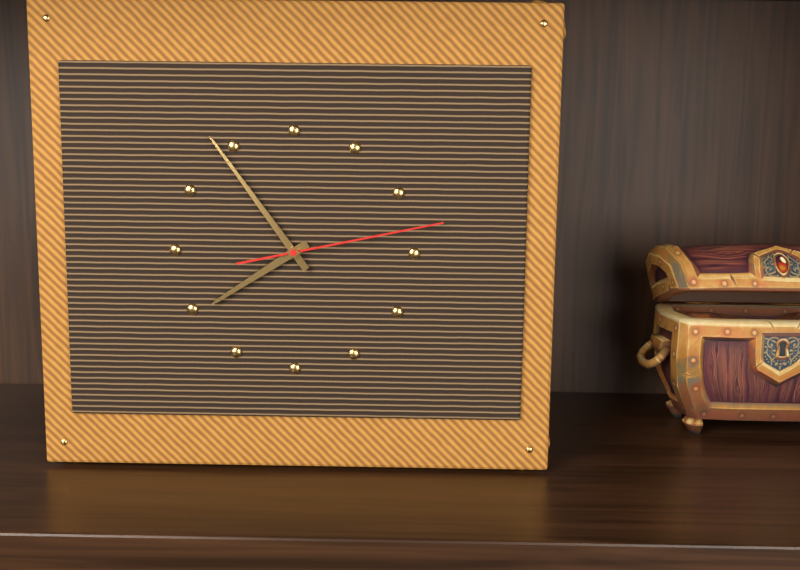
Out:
h=7 m=54 s=13
